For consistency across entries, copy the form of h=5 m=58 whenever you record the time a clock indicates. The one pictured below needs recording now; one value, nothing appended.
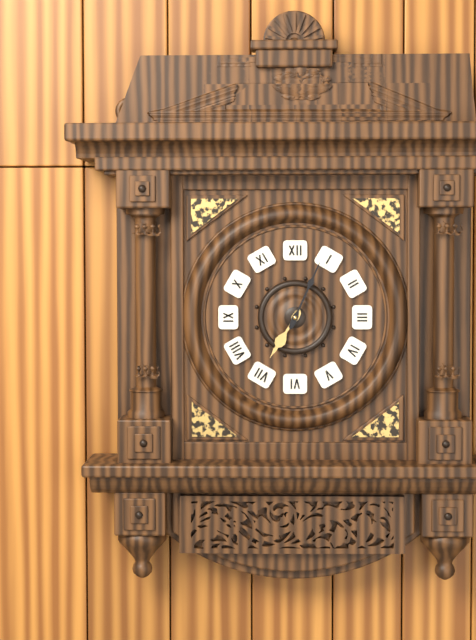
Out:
h=7 m=4
